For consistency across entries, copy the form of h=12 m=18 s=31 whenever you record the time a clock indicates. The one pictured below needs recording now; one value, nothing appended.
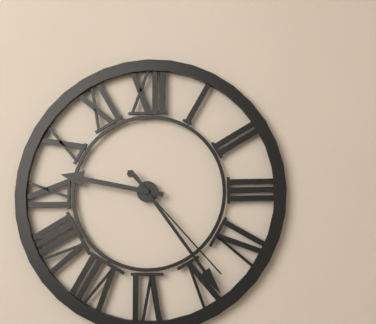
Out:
h=9 m=24 s=23
